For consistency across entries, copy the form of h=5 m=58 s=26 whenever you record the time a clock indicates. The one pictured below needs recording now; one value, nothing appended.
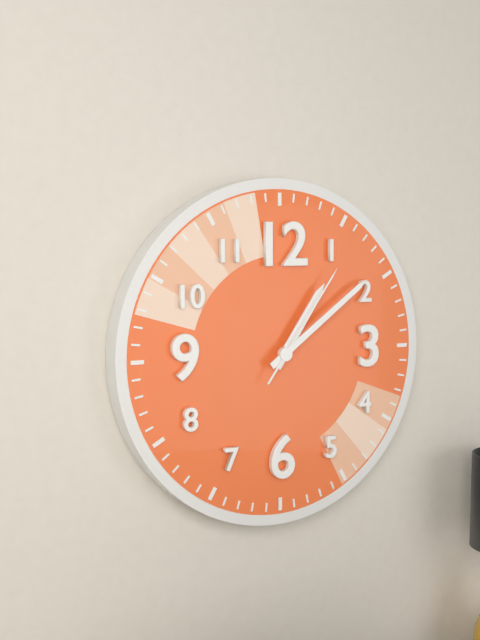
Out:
h=1 m=9 s=6
